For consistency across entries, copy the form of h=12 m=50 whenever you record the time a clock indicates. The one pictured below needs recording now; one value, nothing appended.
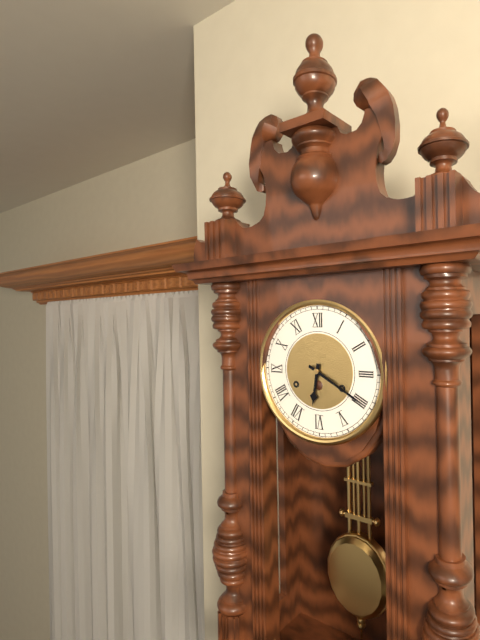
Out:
h=6 m=20
